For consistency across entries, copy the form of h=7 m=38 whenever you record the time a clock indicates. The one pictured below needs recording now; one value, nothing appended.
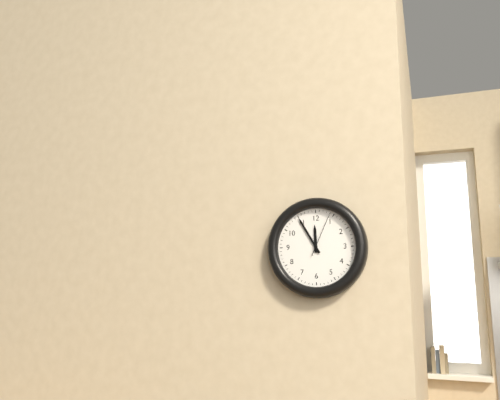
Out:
h=11 m=55
